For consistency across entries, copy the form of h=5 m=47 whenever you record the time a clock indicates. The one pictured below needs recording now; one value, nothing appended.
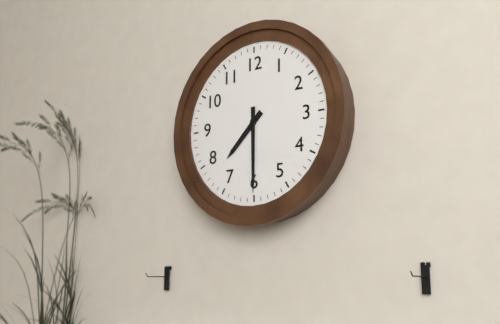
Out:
h=7 m=30
